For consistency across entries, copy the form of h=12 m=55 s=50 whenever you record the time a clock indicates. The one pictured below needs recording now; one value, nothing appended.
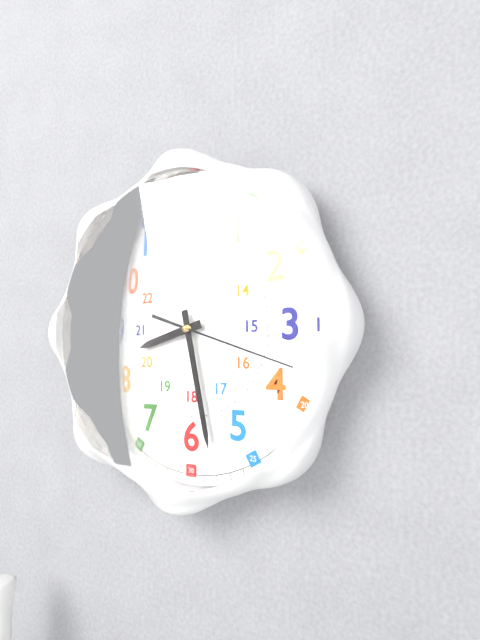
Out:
h=8 m=28 s=18
